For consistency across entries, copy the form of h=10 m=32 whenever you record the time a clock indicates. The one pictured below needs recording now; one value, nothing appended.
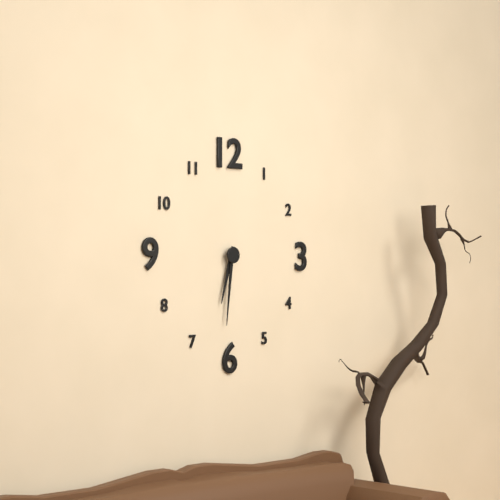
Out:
h=6 m=31
